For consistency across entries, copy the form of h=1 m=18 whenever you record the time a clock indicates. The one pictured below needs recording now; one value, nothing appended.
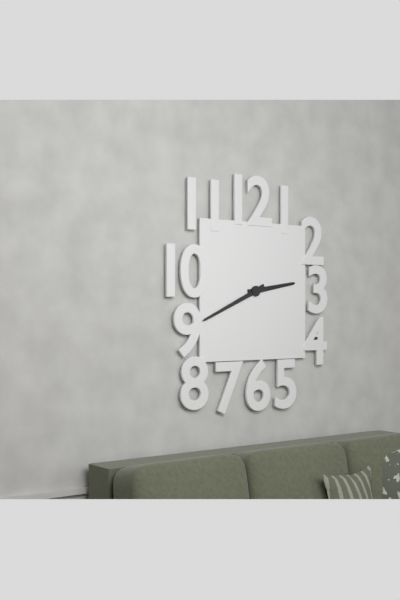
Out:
h=2 m=41
